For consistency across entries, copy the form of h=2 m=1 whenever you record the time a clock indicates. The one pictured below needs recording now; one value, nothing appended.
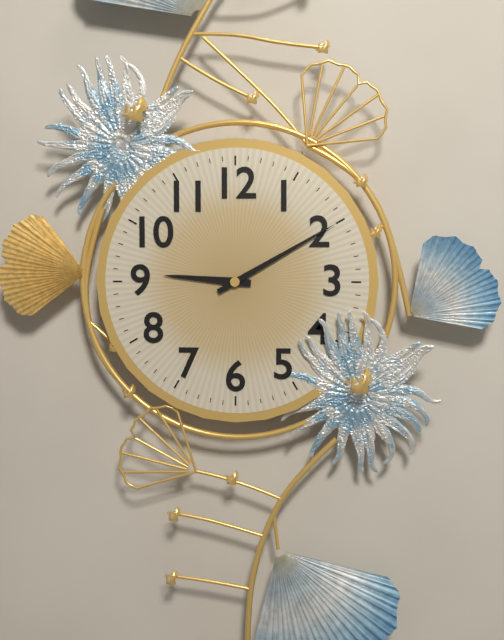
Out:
h=9 m=10
